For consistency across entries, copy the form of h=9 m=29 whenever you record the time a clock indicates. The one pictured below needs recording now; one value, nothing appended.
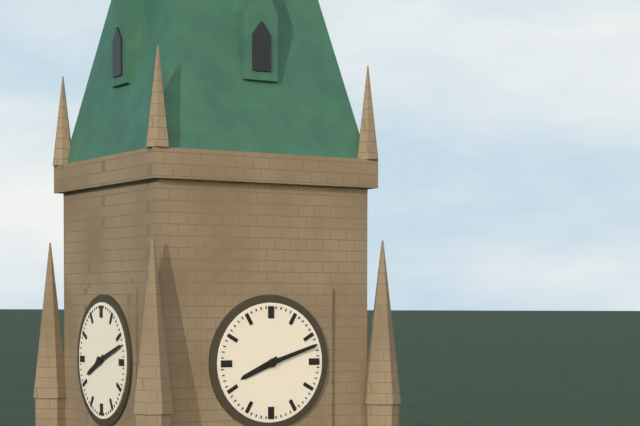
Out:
h=8 m=12
